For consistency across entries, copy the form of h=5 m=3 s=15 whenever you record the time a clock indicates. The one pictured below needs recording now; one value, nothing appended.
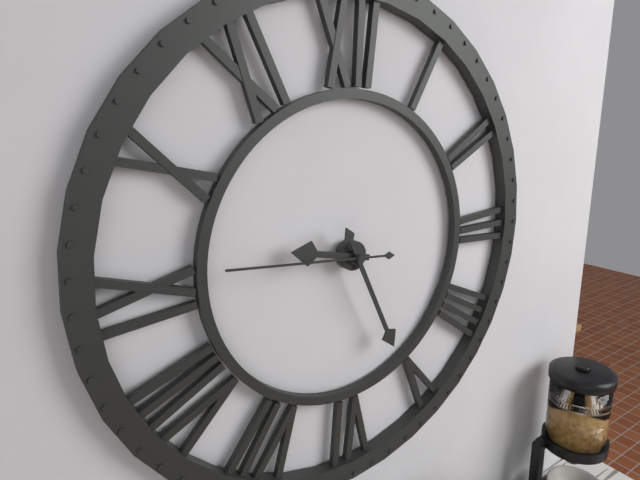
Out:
h=9 m=26 s=46
